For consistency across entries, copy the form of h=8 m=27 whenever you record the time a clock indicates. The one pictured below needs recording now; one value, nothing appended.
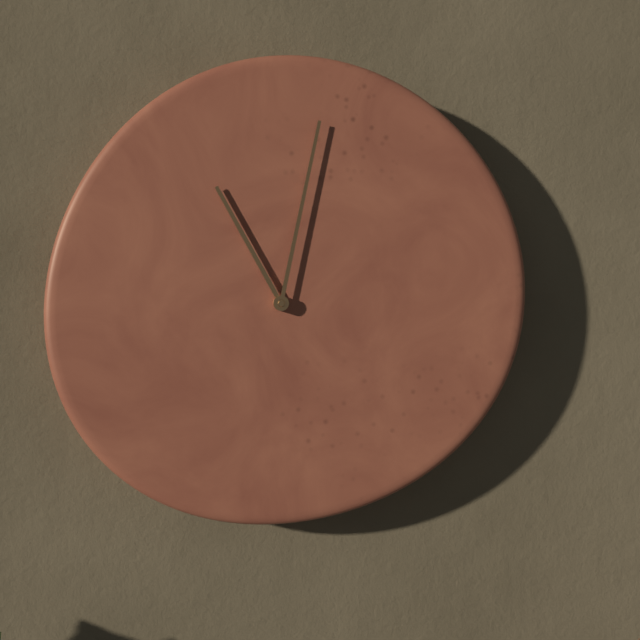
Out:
h=11 m=2
